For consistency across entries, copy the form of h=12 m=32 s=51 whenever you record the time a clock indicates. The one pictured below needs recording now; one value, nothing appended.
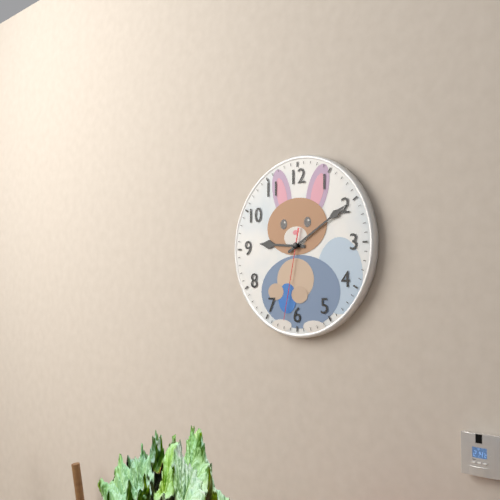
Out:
h=9 m=10 s=32
